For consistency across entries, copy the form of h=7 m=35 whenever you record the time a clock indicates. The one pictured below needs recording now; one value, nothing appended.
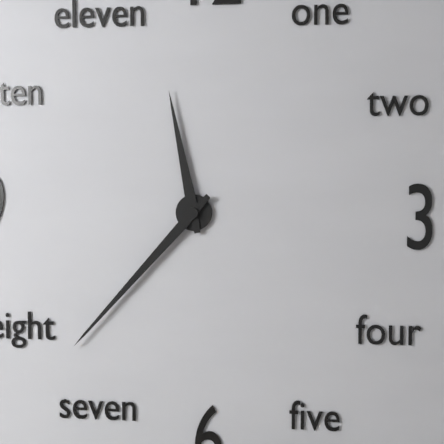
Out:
h=11 m=37
